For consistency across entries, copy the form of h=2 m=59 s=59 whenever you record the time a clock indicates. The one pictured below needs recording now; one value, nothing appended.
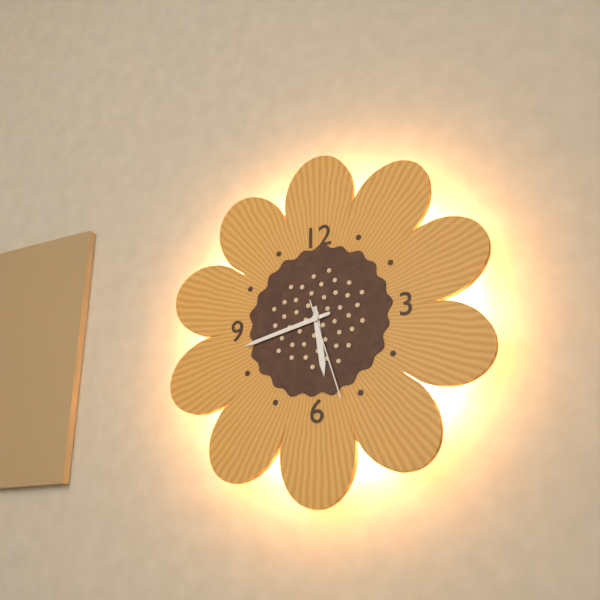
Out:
h=5 m=43 s=27
